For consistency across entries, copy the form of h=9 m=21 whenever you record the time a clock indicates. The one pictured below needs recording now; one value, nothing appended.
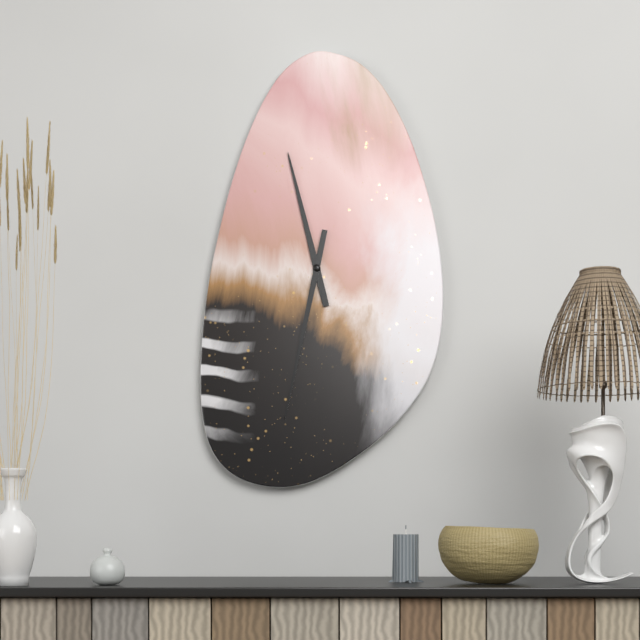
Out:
h=11 m=32
